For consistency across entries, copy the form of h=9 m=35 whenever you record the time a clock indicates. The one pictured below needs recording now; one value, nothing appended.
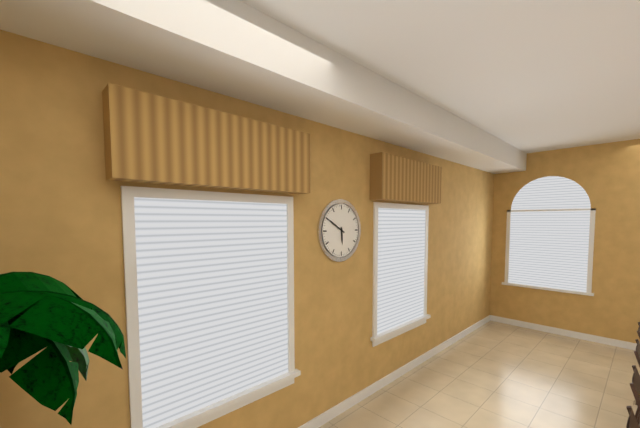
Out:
h=5 m=50
